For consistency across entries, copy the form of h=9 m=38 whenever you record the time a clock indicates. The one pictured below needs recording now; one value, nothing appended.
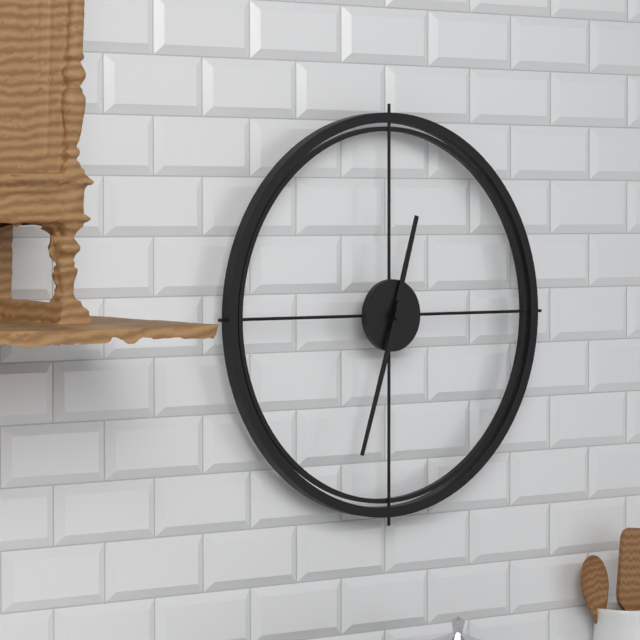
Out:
h=12 m=33
